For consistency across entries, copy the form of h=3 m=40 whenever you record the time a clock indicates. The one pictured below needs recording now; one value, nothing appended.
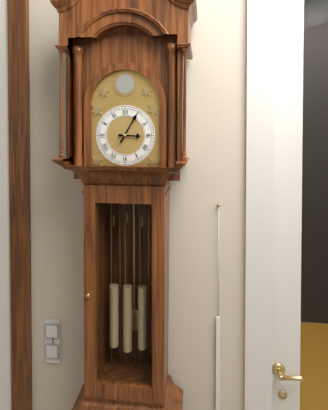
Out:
h=3 m=5
